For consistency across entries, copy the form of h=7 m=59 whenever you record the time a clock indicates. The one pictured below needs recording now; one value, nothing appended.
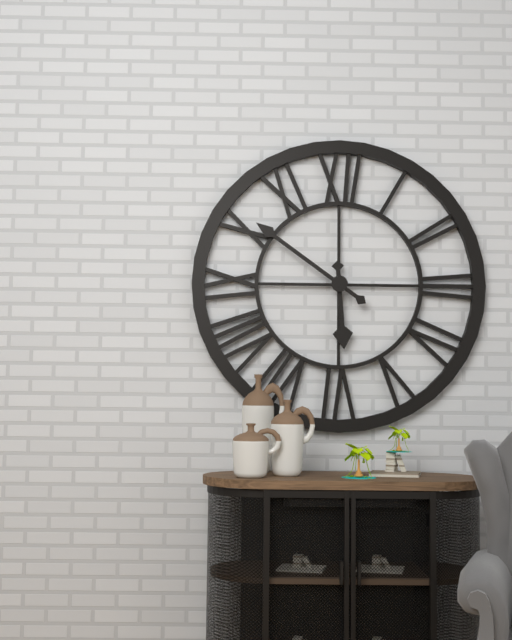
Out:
h=5 m=51
